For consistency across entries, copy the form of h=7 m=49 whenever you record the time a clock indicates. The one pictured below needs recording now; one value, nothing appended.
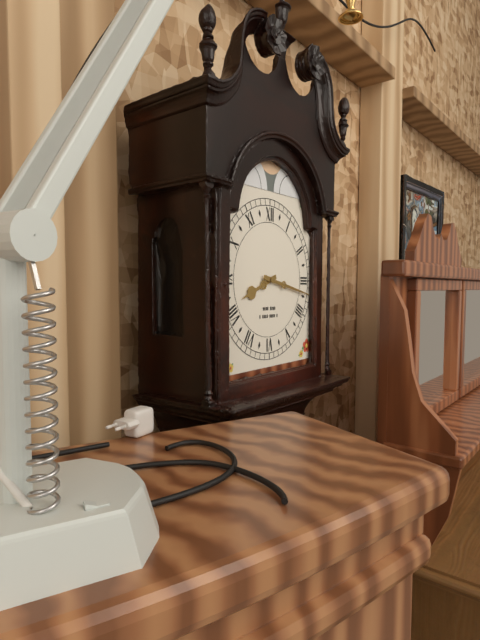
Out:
h=8 m=17
